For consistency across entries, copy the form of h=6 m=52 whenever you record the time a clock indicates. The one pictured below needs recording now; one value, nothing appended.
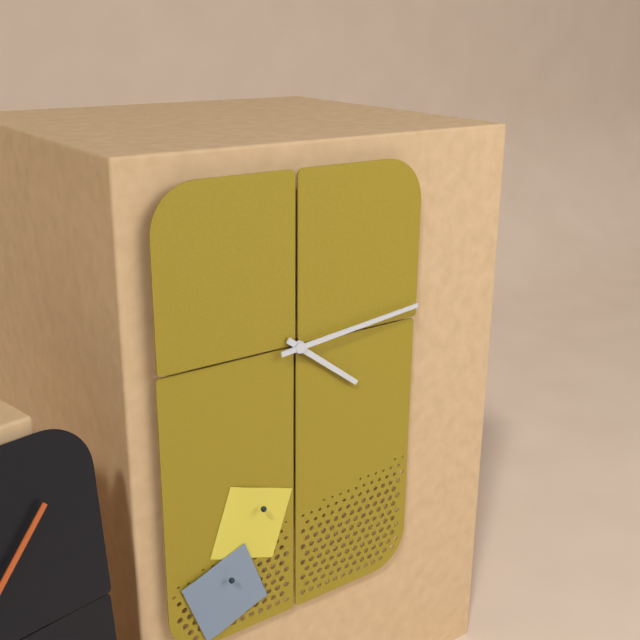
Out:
h=4 m=14
